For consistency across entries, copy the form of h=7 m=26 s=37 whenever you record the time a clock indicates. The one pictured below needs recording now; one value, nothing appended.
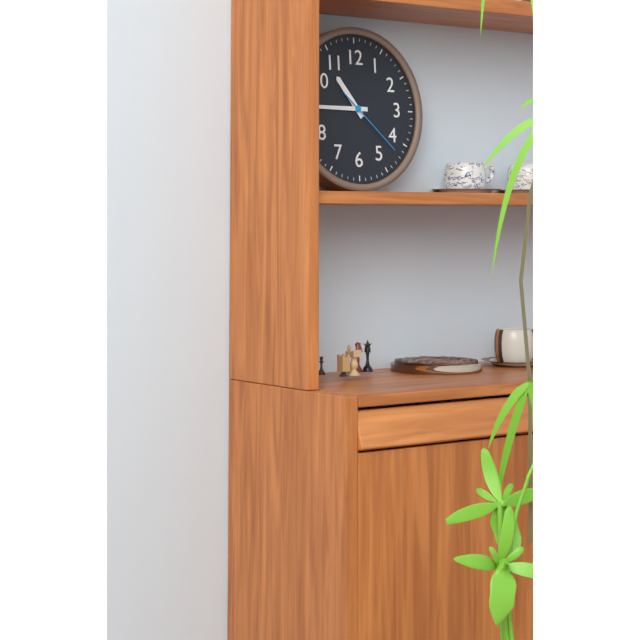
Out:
h=10 m=45 s=22
